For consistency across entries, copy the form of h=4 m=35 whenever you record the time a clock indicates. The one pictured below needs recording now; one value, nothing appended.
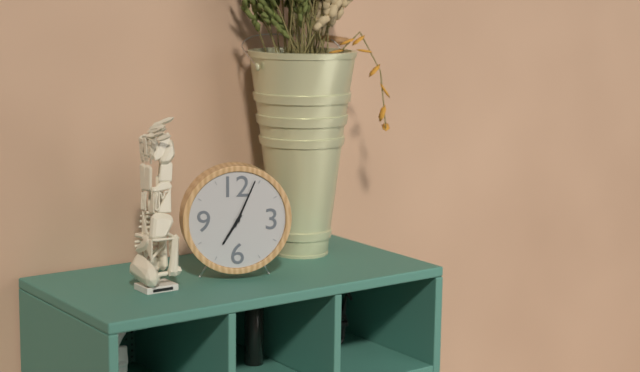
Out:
h=7 m=4
